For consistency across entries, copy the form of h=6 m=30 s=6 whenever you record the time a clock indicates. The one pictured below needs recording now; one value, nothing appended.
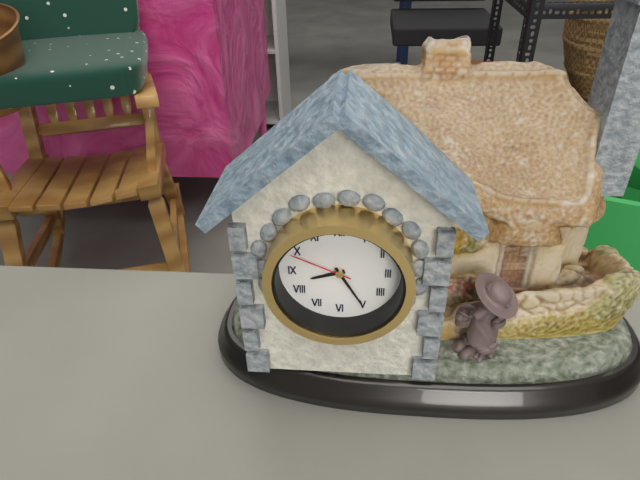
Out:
h=8 m=25 s=49
